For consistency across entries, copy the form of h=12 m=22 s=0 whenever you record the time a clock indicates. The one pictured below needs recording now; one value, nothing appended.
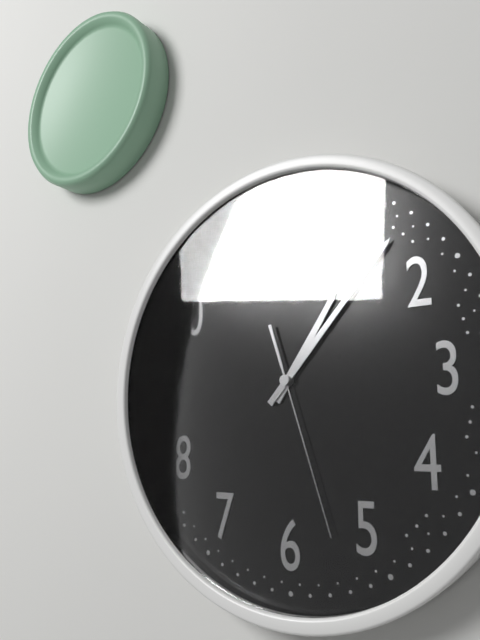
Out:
h=1 m=7 s=27
